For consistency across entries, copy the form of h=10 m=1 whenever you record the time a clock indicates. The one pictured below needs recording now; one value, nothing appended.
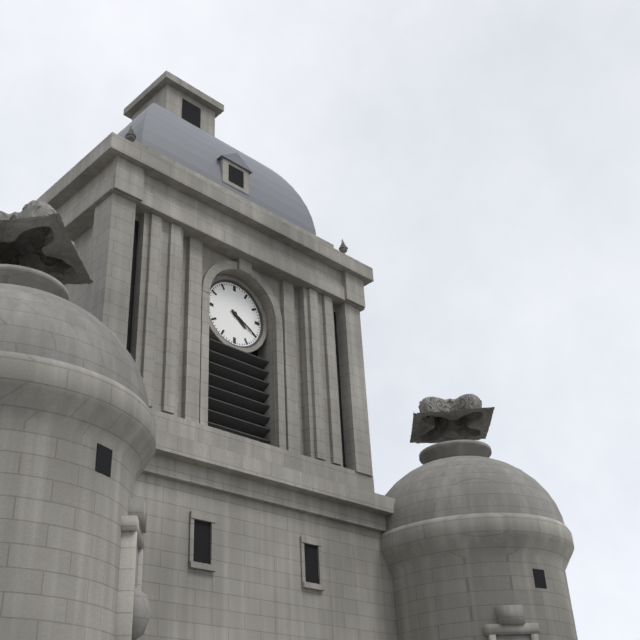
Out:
h=4 m=20
